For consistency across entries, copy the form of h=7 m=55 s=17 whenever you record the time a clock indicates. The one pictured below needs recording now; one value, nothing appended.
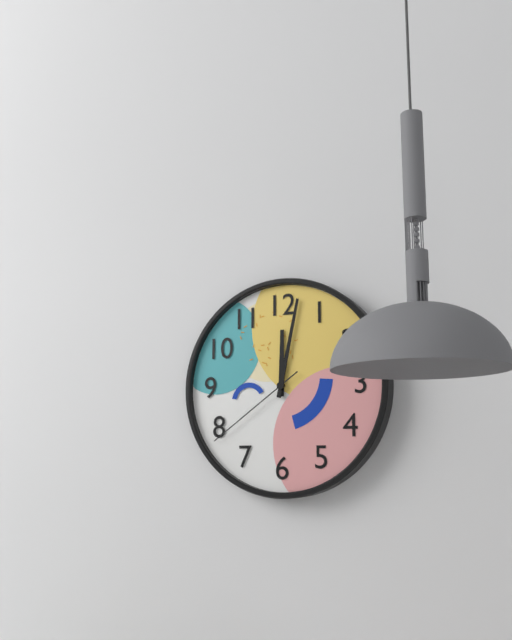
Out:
h=12 m=2 s=39
